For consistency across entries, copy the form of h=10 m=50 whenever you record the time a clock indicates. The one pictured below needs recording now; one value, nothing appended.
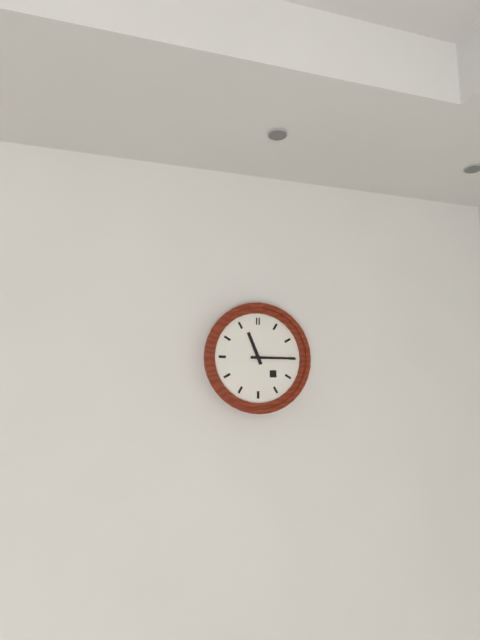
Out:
h=11 m=15
